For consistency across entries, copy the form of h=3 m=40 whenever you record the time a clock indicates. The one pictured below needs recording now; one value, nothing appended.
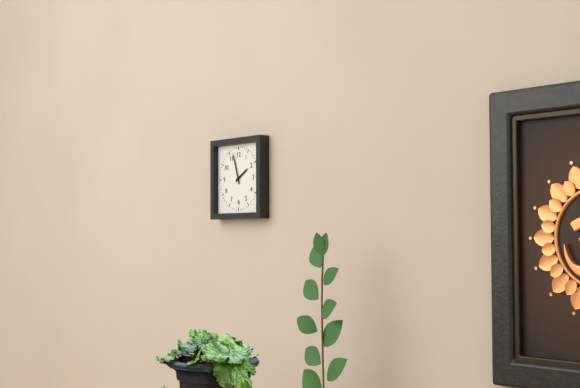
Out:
h=1 m=57
